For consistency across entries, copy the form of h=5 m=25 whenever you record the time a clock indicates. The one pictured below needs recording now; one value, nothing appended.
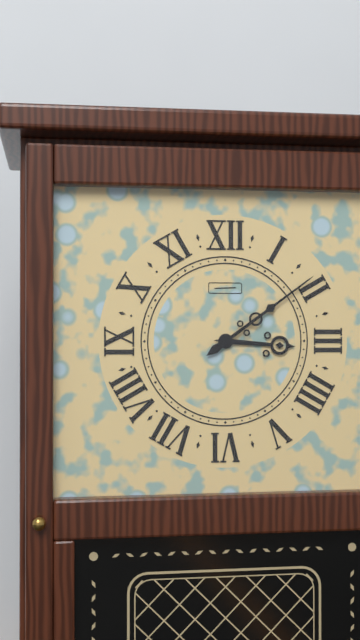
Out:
h=3 m=9
